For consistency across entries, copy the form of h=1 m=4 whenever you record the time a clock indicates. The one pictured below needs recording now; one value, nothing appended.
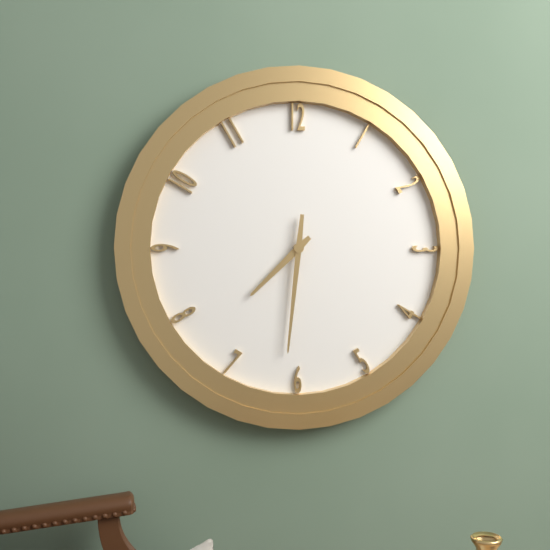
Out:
h=7 m=31
